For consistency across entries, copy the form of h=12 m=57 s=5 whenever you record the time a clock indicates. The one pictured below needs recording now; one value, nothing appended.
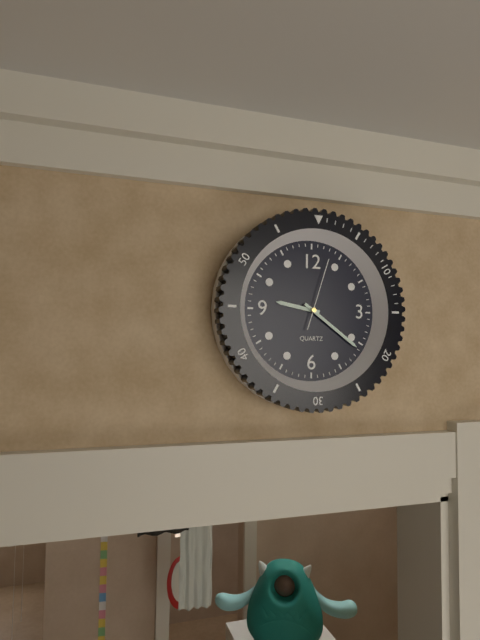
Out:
h=9 m=21 s=3
